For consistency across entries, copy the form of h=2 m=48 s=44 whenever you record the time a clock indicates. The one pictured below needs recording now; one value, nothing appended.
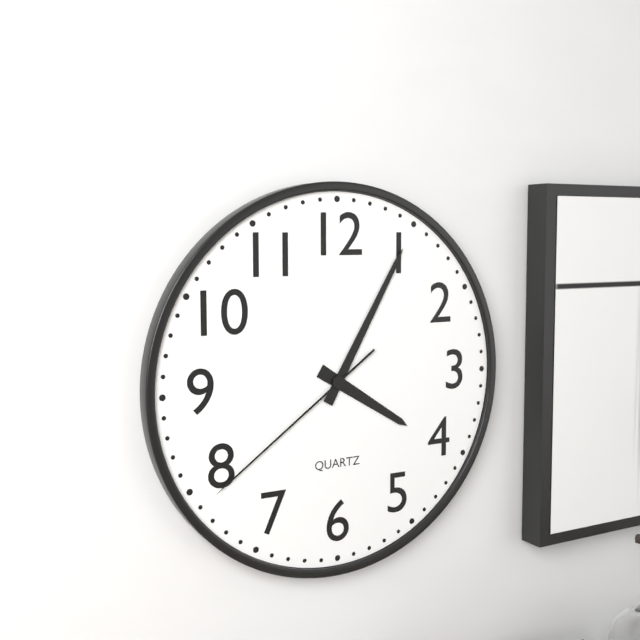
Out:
h=4 m=5 s=39
